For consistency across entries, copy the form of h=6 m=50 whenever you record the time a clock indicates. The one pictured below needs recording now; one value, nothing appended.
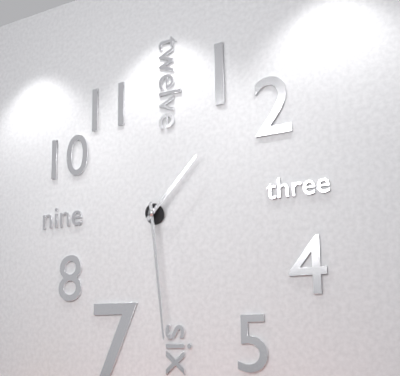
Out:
h=1 m=29
